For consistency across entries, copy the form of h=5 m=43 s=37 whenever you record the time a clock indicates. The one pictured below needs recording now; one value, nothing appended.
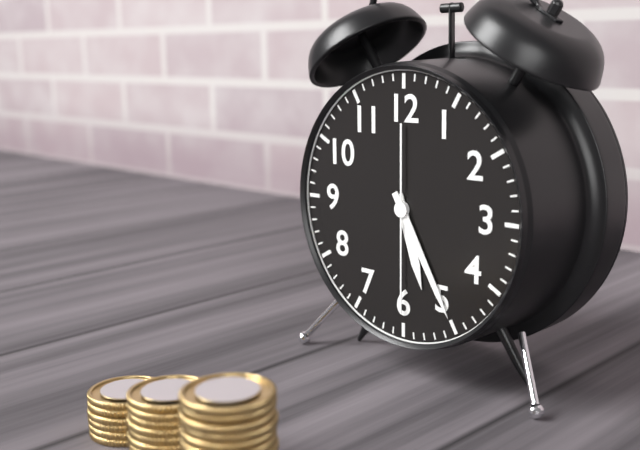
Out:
h=5 m=25 s=30
